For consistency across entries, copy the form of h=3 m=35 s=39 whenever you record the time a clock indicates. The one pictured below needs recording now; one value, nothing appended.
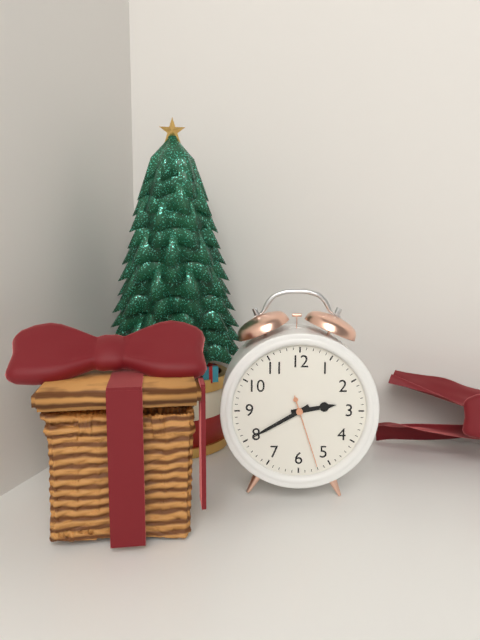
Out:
h=2 m=40 s=27
